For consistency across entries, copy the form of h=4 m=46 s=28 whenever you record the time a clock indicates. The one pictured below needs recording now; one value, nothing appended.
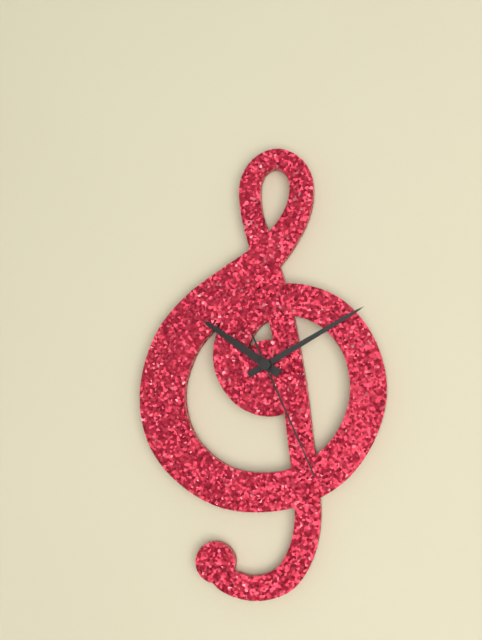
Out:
h=10 m=10 s=26
